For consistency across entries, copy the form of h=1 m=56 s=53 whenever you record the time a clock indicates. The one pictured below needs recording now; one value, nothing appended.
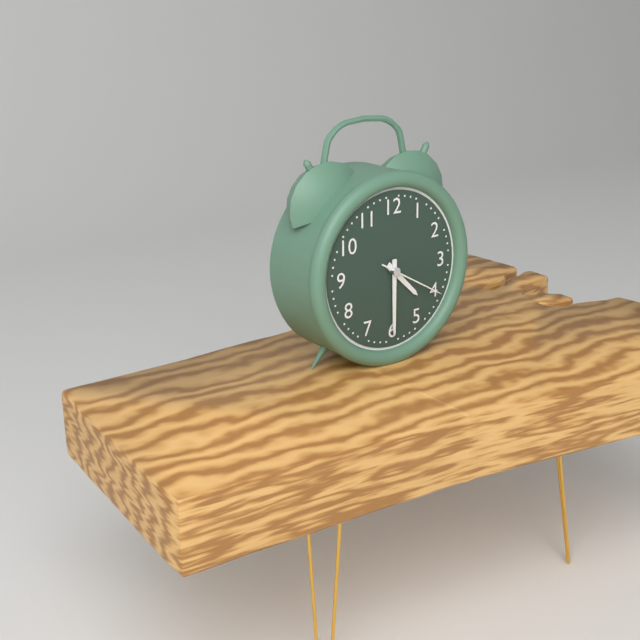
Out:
h=4 m=30 s=20
